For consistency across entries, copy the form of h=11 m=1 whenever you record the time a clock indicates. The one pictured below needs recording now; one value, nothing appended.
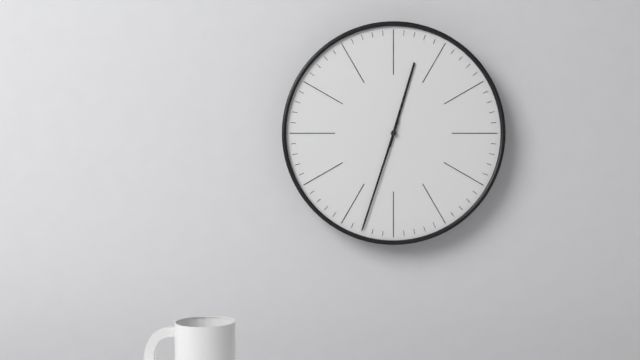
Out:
h=12 m=33
